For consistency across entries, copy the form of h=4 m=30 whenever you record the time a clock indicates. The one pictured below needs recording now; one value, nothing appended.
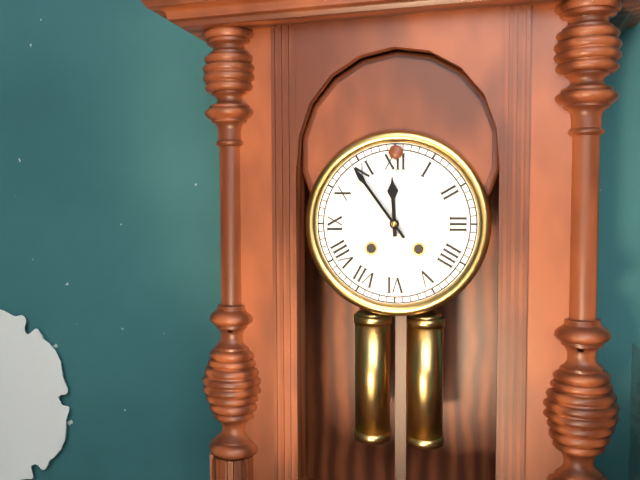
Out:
h=11 m=54
